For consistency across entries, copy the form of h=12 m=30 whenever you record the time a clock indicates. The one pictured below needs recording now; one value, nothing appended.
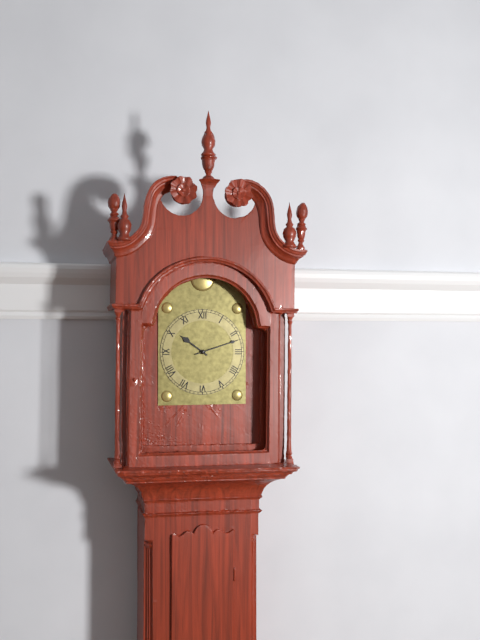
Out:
h=10 m=12
